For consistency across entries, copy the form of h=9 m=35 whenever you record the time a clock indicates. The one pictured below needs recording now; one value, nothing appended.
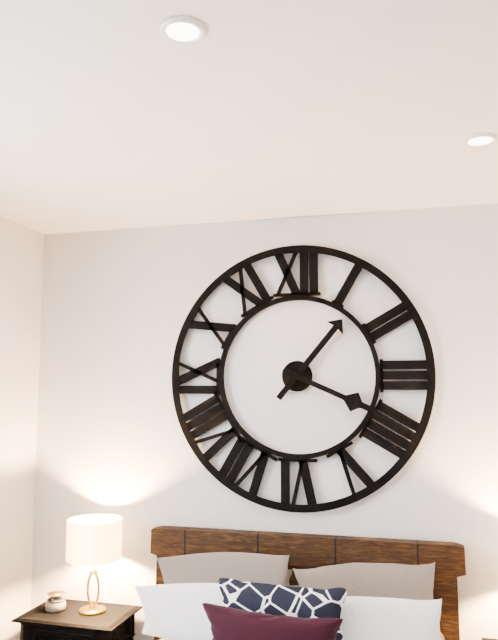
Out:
h=1 m=19
